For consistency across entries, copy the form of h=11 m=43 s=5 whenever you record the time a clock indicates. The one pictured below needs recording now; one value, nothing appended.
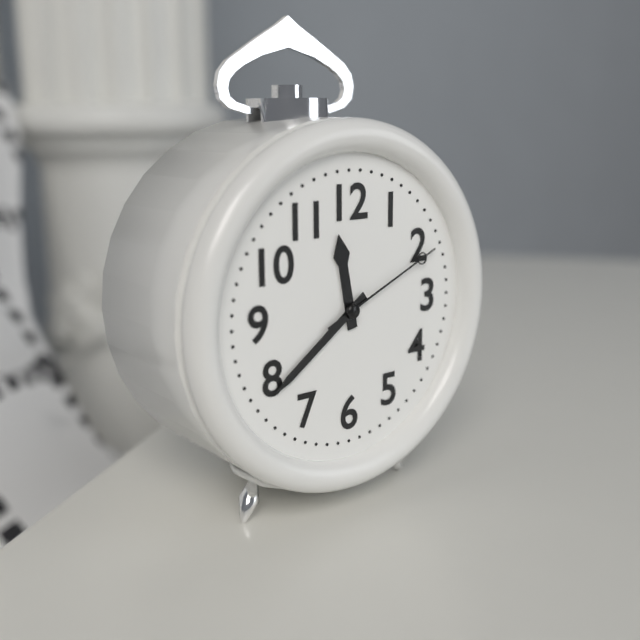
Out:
h=11 m=39 s=11
